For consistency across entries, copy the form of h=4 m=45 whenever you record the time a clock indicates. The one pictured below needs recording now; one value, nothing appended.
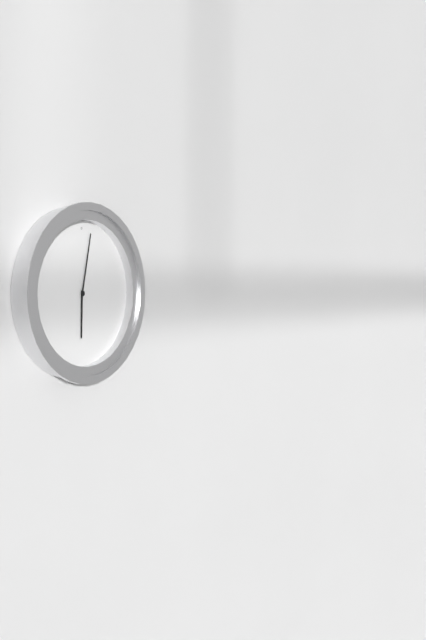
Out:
h=6 m=2
